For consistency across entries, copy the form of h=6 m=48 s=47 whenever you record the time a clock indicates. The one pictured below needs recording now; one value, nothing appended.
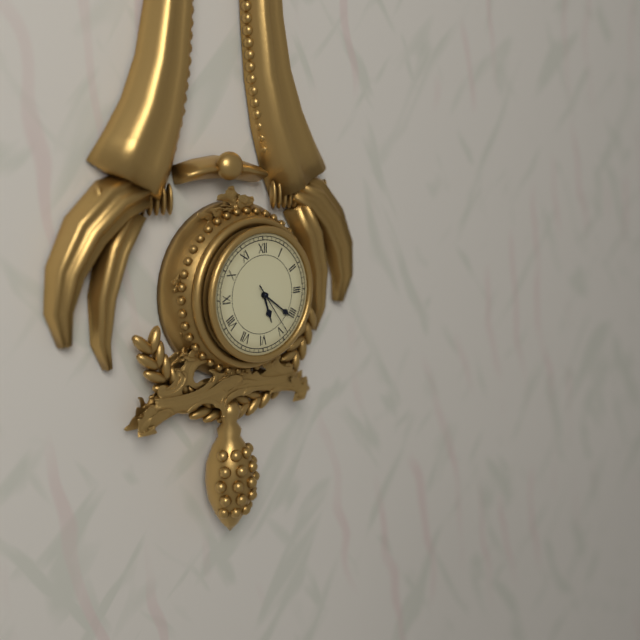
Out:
h=5 m=21 s=24
